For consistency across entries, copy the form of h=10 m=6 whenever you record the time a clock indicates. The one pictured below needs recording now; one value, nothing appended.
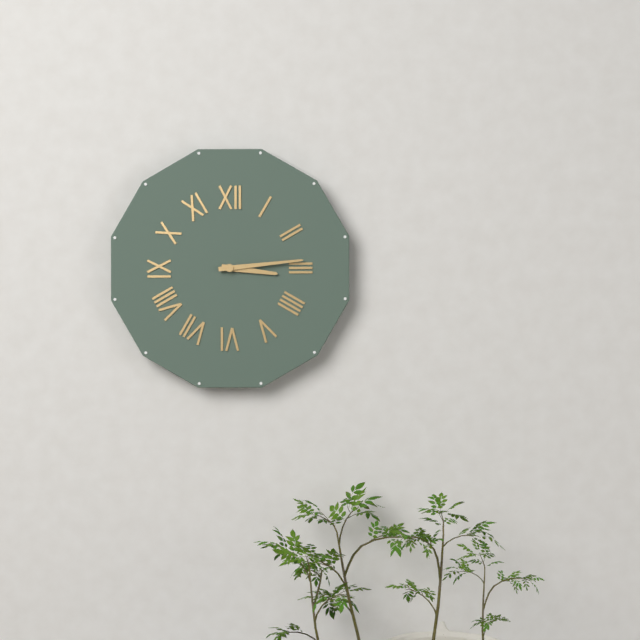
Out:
h=3 m=14
